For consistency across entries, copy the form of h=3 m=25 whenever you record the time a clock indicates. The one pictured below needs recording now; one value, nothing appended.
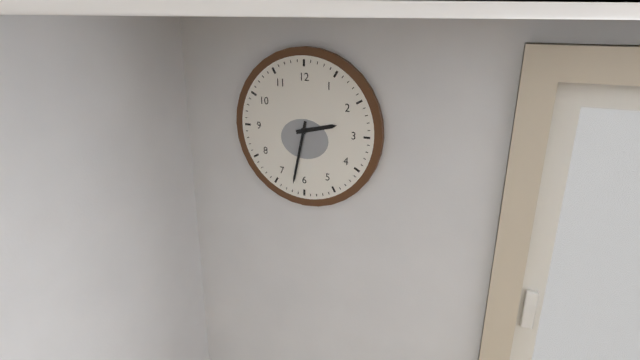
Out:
h=2 m=32
